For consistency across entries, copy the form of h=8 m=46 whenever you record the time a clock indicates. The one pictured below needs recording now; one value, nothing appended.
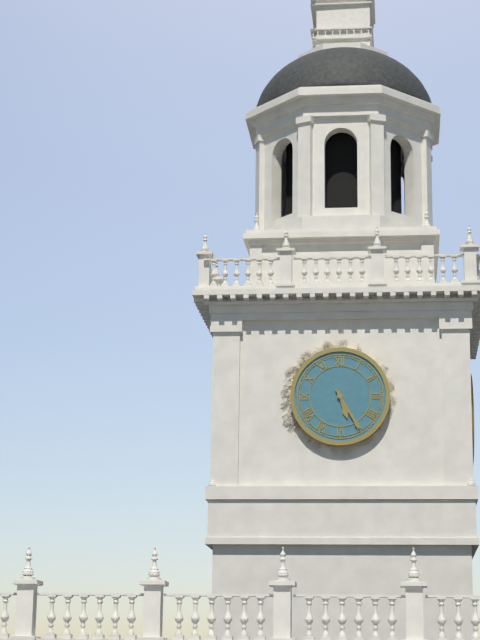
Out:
h=5 m=25
